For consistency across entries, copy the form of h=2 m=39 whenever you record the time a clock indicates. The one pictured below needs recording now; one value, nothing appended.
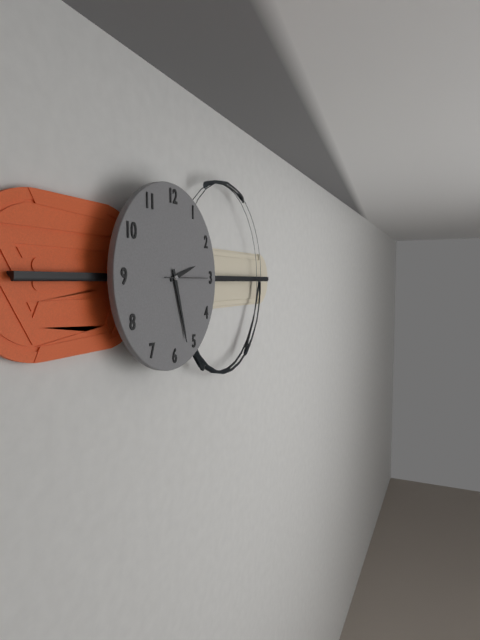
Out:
h=2 m=27
